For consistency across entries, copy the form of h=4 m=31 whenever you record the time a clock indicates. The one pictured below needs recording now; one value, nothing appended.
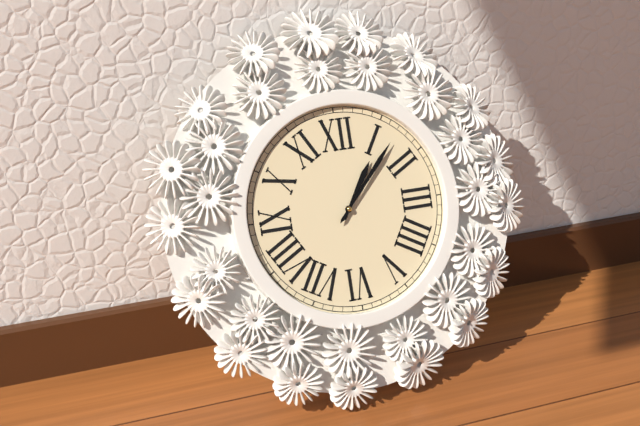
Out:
h=1 m=7
